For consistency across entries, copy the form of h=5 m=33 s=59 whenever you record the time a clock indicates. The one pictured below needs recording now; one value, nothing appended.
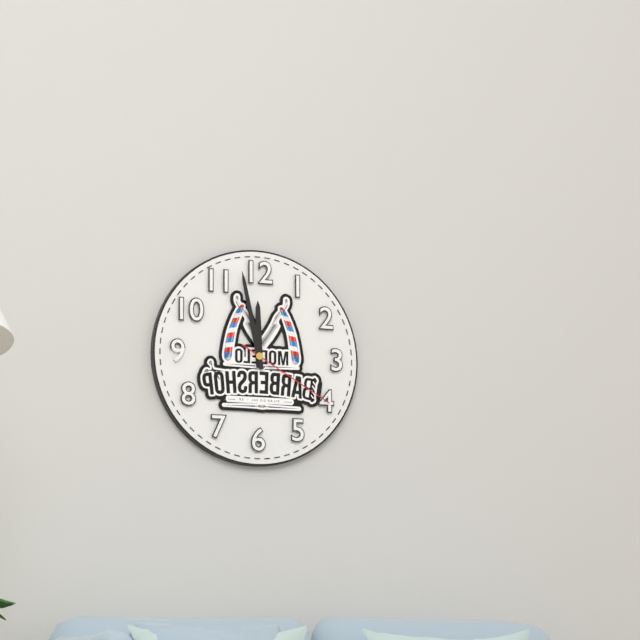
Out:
h=11 m=58 s=20
